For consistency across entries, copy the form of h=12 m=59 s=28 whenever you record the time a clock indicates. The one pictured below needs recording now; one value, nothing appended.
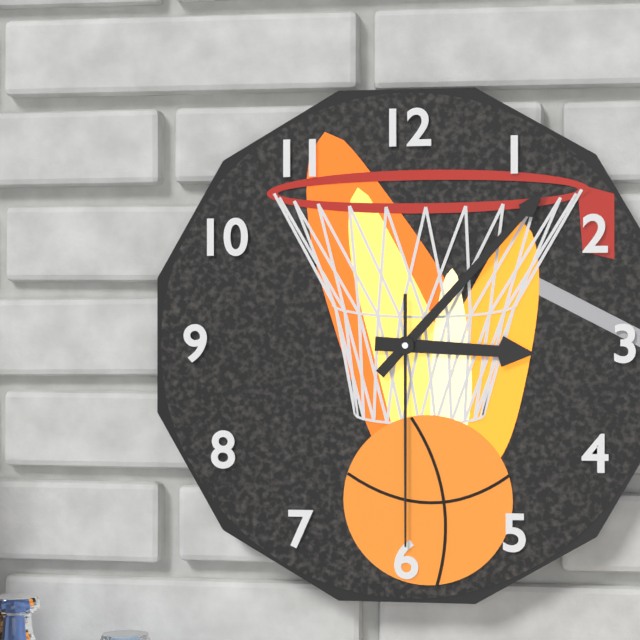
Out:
h=3 m=7 s=30
